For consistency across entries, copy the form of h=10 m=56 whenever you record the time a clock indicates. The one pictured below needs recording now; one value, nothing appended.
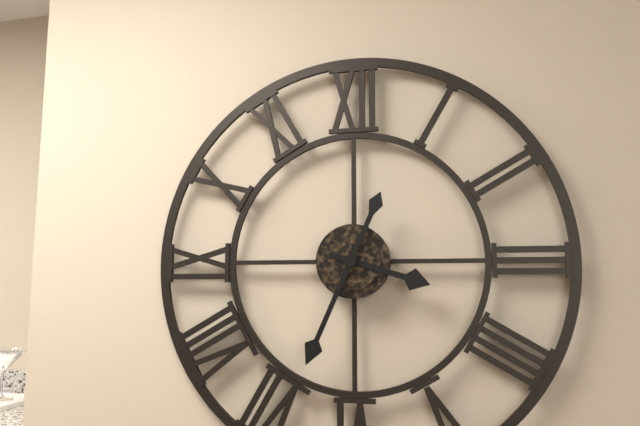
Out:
h=3 m=34
